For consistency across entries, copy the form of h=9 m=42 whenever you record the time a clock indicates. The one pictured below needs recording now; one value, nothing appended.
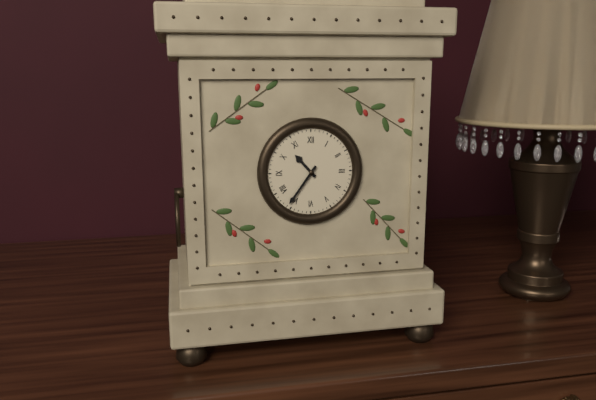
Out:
h=10 m=36
